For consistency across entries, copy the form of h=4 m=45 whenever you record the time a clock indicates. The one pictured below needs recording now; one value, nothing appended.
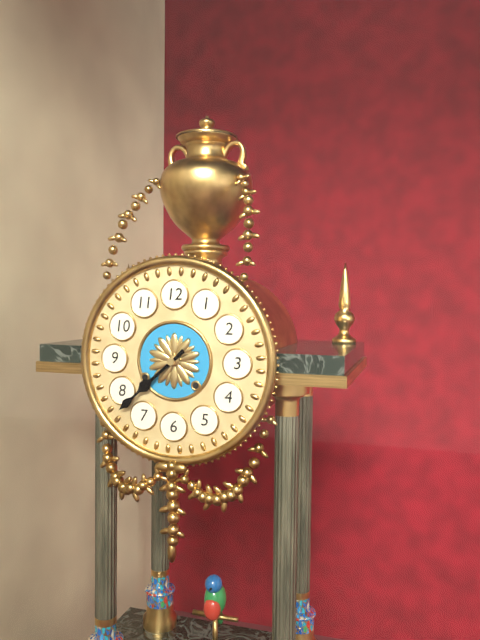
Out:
h=7 m=38
